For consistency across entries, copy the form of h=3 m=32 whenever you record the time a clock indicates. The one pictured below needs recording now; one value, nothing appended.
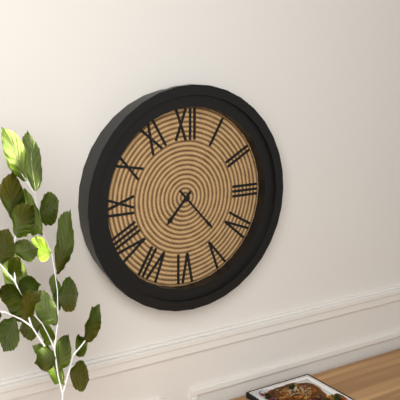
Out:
h=7 m=23
